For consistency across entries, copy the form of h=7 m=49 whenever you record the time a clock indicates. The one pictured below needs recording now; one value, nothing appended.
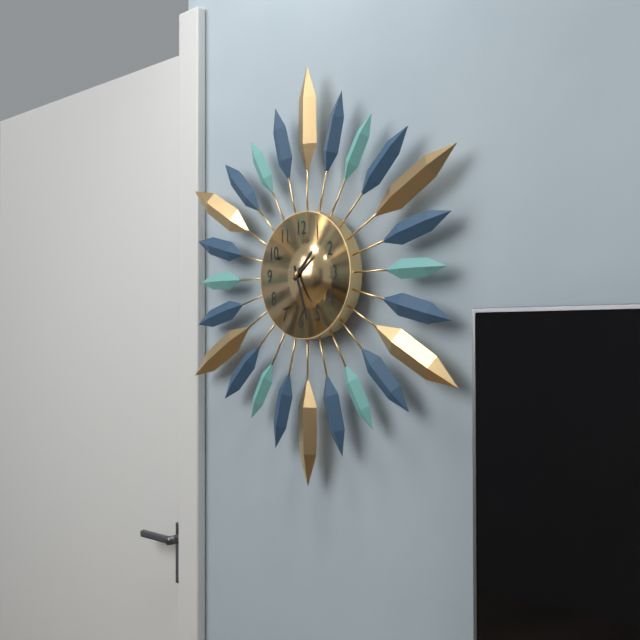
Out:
h=1 m=27
